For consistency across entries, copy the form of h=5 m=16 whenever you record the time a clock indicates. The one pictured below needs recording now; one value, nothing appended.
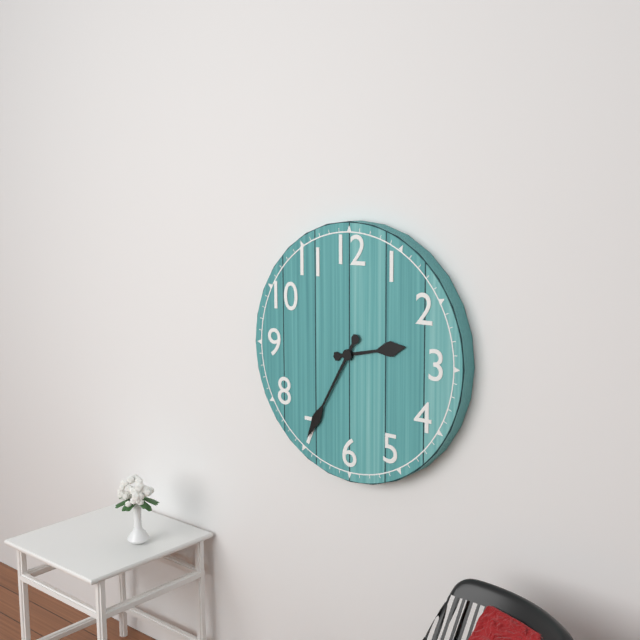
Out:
h=2 m=35
